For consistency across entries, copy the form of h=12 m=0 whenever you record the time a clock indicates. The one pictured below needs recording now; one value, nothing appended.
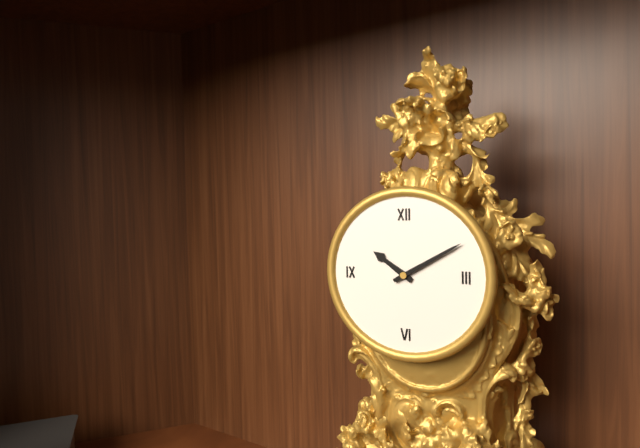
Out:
h=10 m=10
